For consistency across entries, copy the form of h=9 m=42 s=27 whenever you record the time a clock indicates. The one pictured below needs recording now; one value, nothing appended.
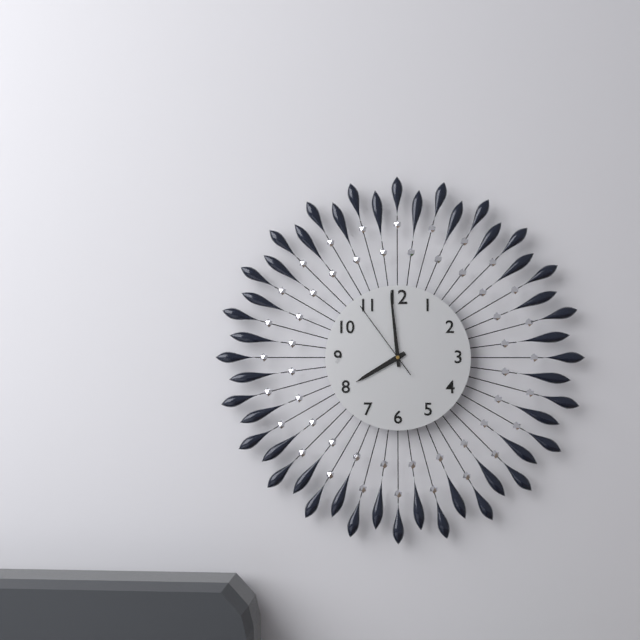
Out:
h=7 m=59 s=54
